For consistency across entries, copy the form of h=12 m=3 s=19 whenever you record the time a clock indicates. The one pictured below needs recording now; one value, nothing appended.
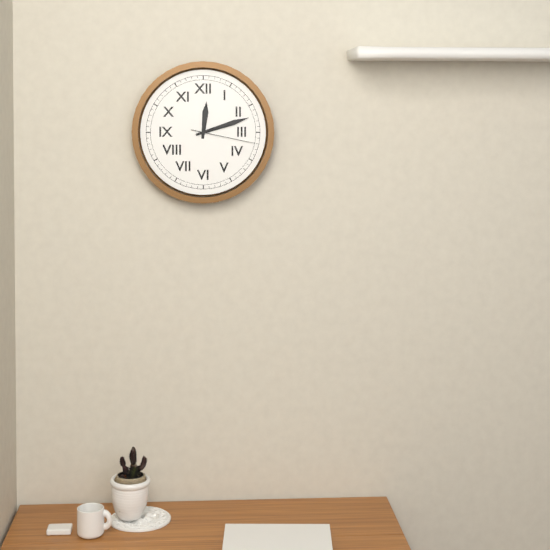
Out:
h=12 m=12 s=17
